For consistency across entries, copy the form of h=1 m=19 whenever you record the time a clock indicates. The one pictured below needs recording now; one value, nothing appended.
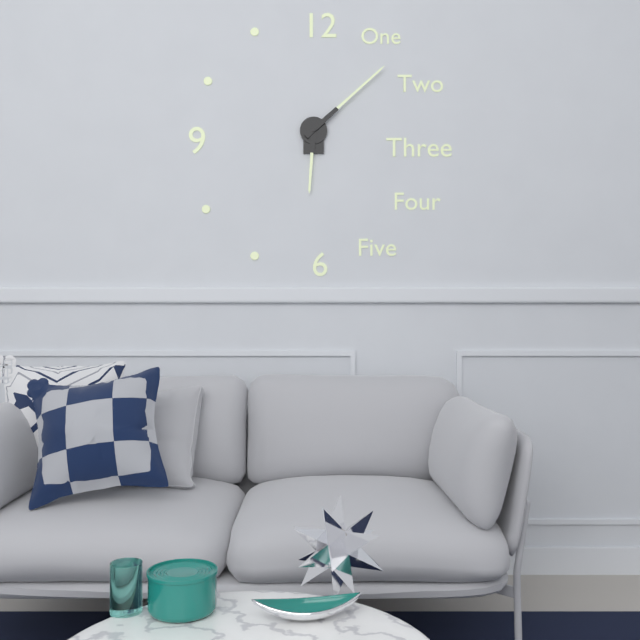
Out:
h=6 m=8
